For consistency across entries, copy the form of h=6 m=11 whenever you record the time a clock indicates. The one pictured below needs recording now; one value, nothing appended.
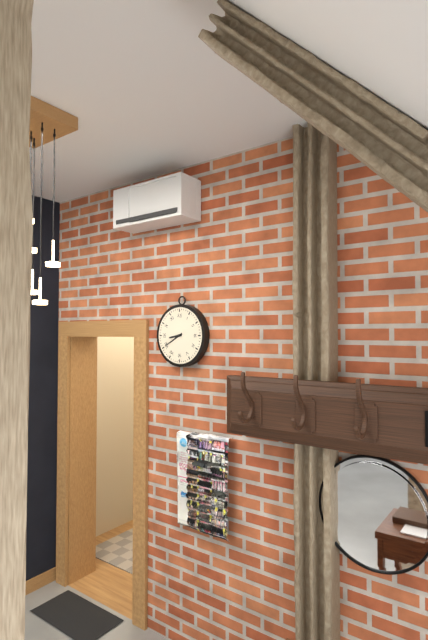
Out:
h=8 m=40
